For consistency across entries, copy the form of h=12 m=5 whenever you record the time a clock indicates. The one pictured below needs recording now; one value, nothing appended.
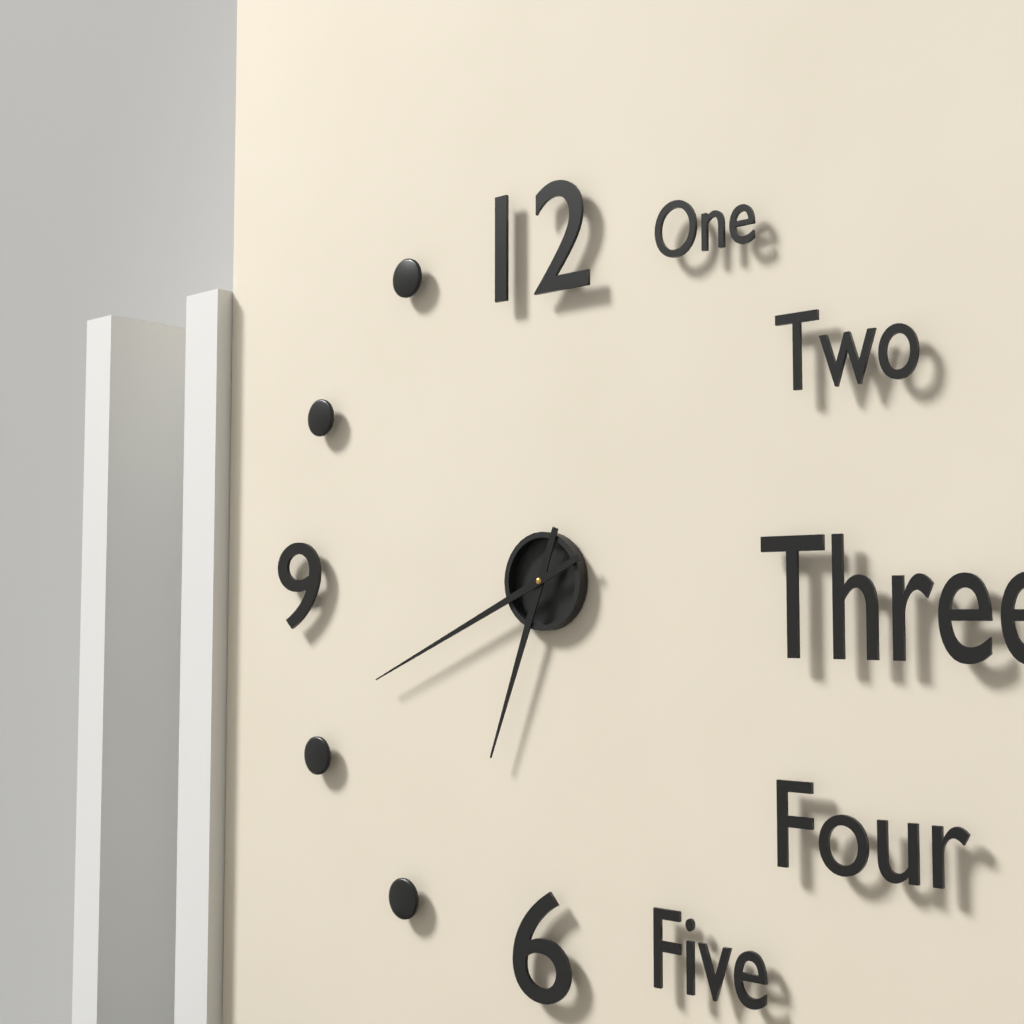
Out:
h=6 m=41
